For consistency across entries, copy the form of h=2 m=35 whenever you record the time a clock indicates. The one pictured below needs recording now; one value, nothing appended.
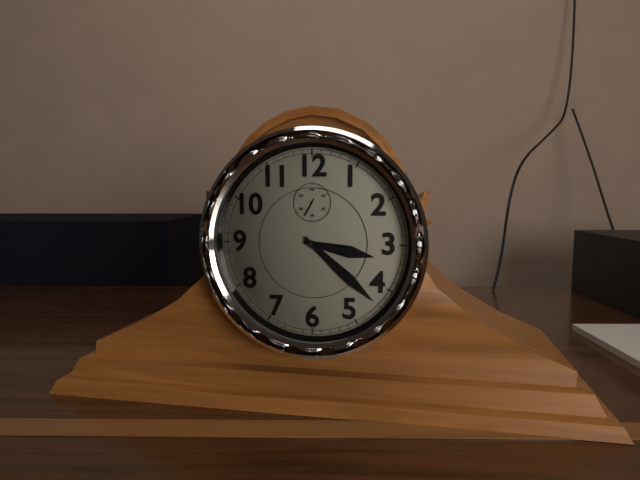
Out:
h=3 m=22
